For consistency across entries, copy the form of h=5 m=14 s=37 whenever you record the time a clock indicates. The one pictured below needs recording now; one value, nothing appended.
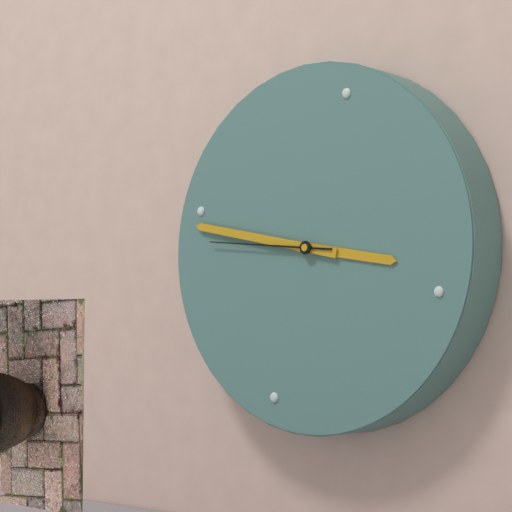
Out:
h=2 m=44 s=43
